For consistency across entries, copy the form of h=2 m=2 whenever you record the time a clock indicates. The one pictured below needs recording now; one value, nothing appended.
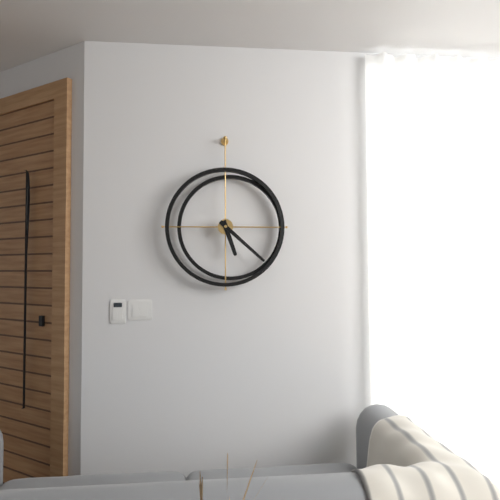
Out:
h=5 m=22
